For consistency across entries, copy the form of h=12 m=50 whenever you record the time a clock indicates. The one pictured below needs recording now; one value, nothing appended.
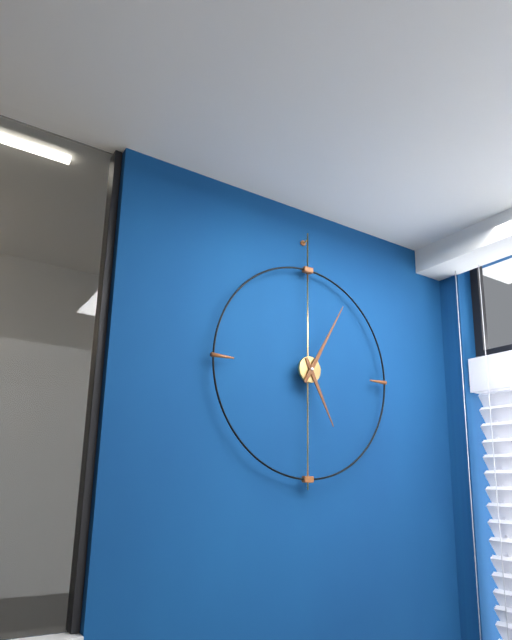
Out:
h=5 m=5
